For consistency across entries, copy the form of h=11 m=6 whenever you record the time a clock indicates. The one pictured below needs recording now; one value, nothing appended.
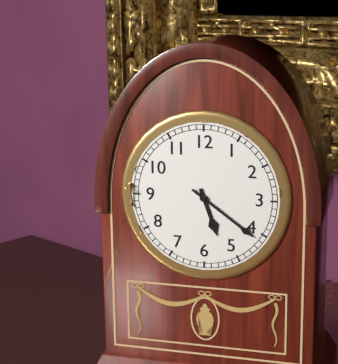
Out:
h=5 m=21
